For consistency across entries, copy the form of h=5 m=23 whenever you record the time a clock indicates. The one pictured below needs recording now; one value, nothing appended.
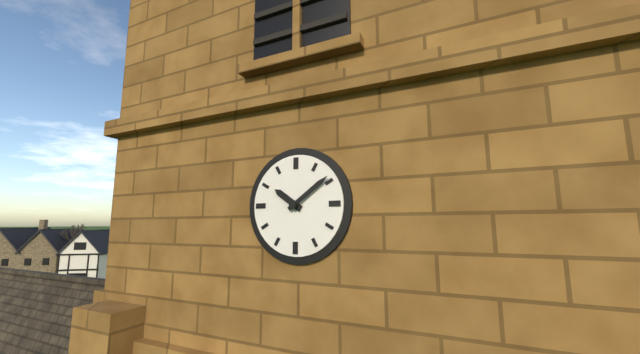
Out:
h=10 m=9
